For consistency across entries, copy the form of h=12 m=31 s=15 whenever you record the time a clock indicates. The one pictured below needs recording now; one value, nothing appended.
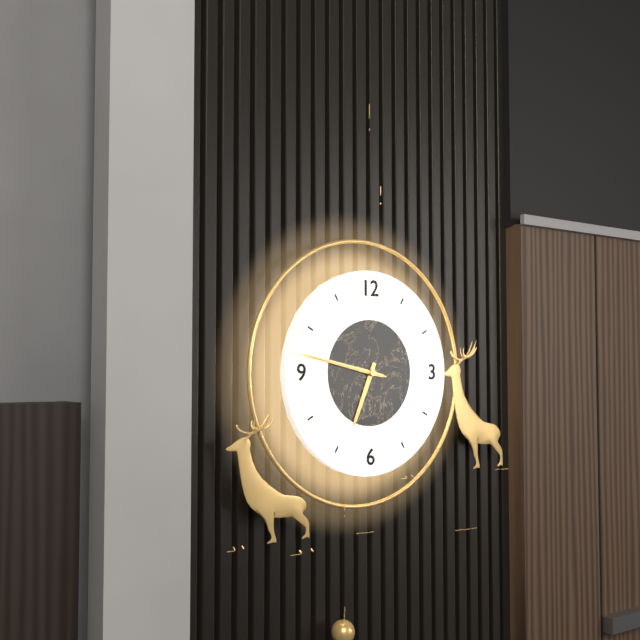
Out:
h=6 m=47 s=47
